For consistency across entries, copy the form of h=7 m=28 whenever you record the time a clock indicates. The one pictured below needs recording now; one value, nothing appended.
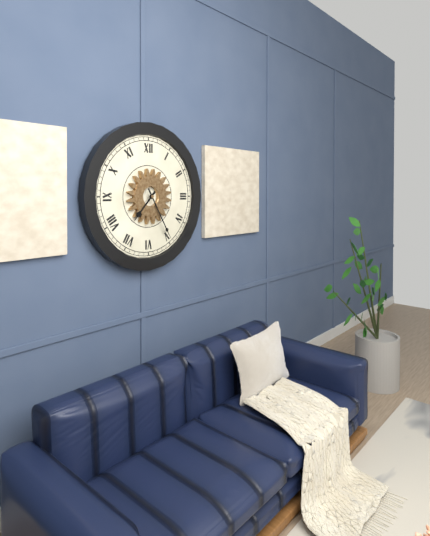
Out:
h=7 m=25
